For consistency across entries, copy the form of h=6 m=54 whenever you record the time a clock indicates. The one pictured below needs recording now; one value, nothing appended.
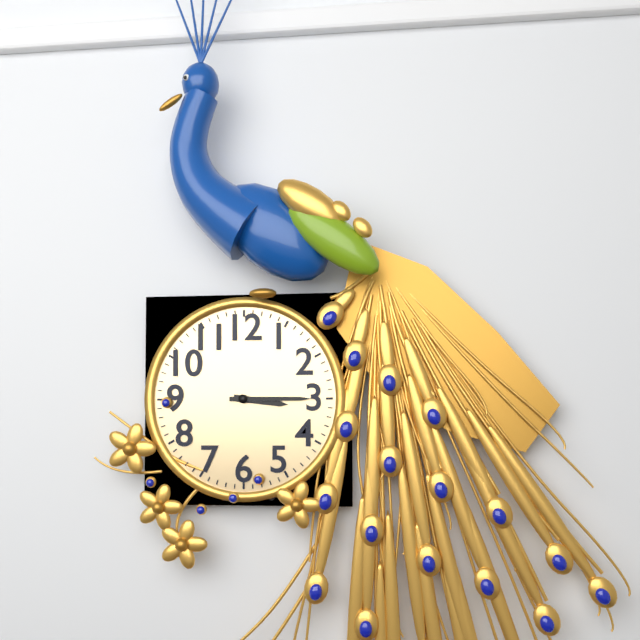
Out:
h=3 m=15
